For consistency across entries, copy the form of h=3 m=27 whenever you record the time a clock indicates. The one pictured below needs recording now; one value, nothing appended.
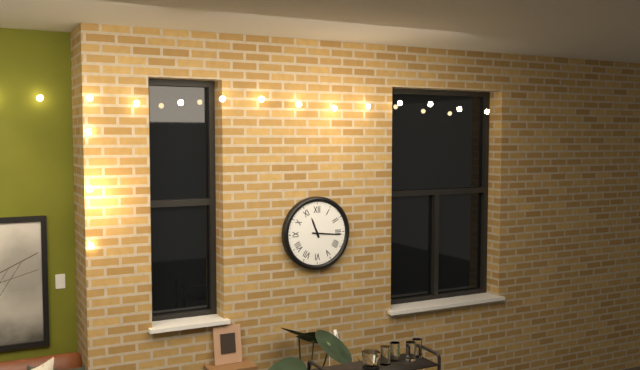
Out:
h=11 m=16
